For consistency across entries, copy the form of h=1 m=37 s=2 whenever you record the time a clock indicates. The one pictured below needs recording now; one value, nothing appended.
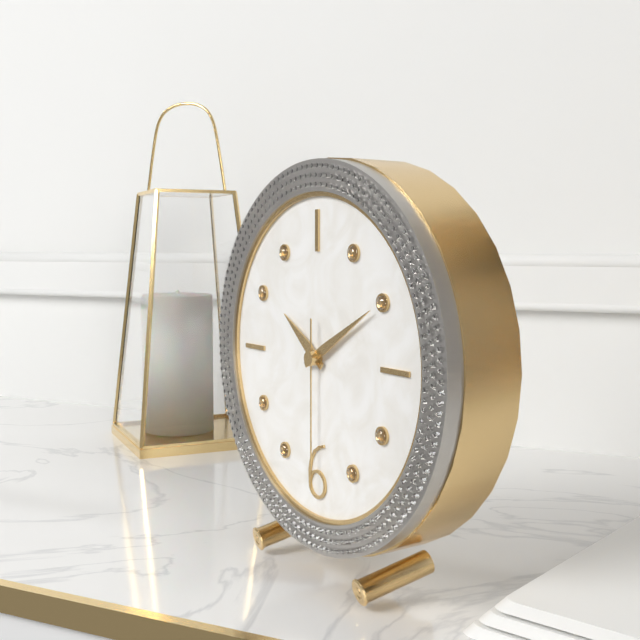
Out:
h=10 m=10 s=30
